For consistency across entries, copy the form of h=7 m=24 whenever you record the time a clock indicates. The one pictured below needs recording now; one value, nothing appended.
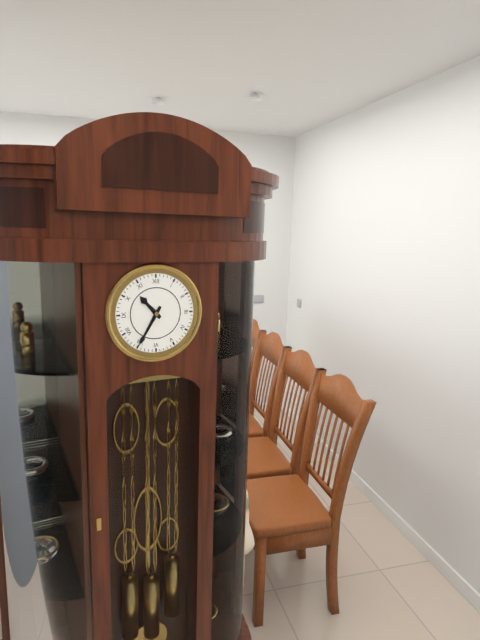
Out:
h=10 m=35
